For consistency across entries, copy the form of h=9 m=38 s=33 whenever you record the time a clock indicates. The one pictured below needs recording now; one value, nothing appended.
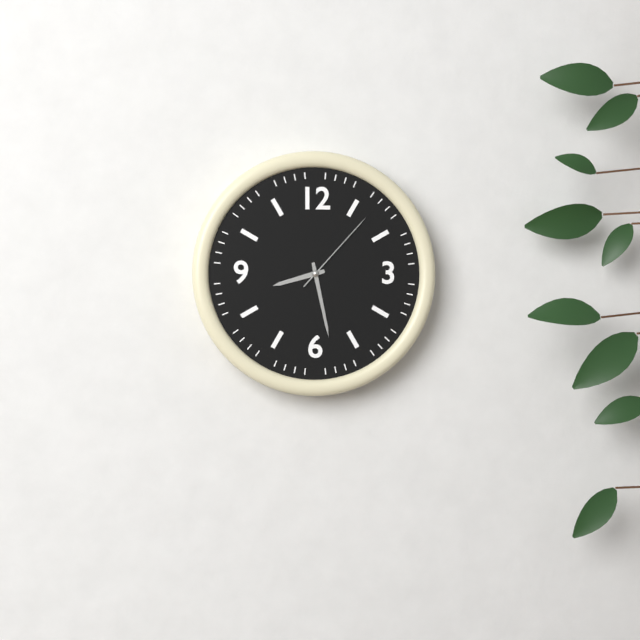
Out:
h=8 m=28 s=7
